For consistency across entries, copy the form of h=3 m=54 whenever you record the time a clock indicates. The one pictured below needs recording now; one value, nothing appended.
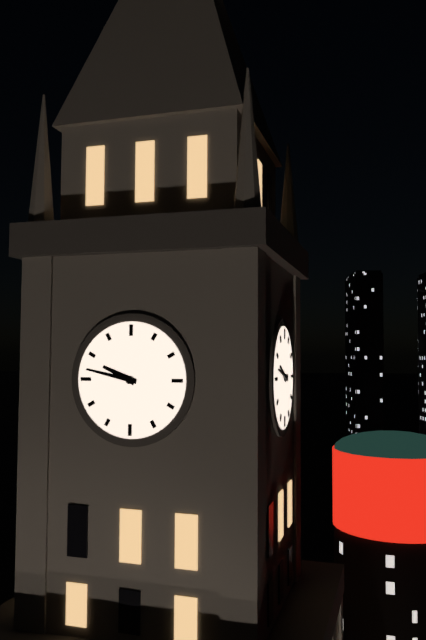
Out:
h=9 m=47
